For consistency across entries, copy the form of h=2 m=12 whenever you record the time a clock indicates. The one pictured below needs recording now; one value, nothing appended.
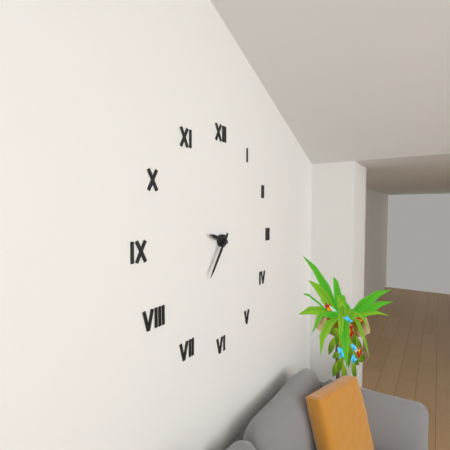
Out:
h=9 m=36
